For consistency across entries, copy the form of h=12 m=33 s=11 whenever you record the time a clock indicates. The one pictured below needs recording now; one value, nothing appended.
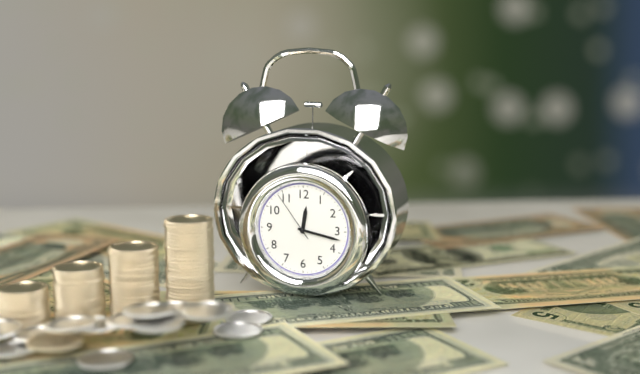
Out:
h=12 m=17 s=54
